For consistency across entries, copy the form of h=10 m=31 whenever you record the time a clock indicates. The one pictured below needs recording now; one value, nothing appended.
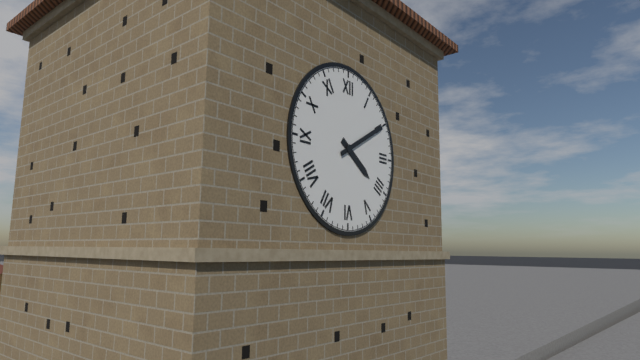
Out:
h=4 m=10
